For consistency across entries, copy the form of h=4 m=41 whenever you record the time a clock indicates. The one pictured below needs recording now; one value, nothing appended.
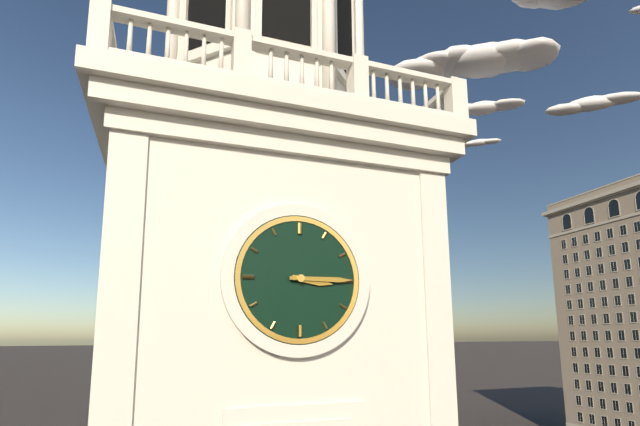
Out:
h=3 m=15
